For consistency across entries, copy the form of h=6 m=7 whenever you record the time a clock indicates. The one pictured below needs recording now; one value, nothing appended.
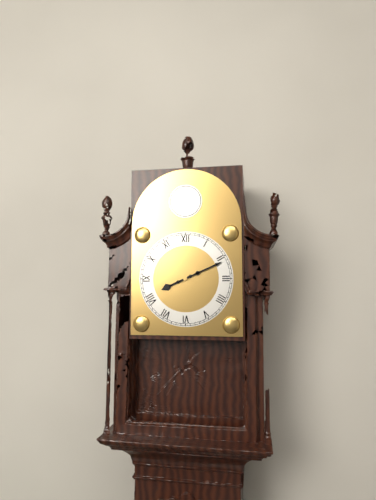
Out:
h=8 m=11
